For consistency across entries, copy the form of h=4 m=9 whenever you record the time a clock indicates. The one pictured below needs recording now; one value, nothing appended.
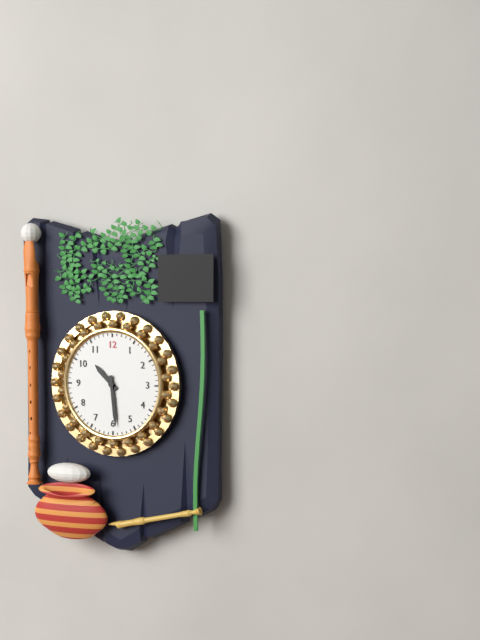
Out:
h=10 m=29
